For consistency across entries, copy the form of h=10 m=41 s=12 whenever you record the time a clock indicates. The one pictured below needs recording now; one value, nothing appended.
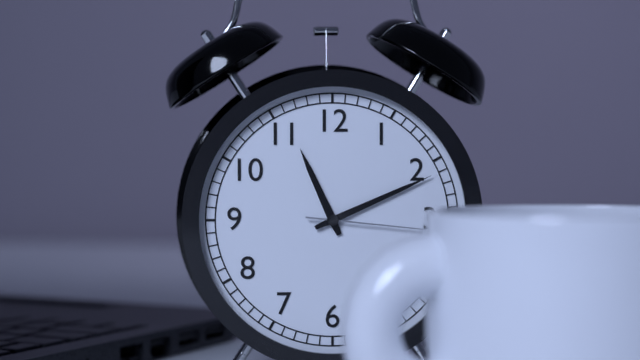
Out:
h=11 m=11 s=16
